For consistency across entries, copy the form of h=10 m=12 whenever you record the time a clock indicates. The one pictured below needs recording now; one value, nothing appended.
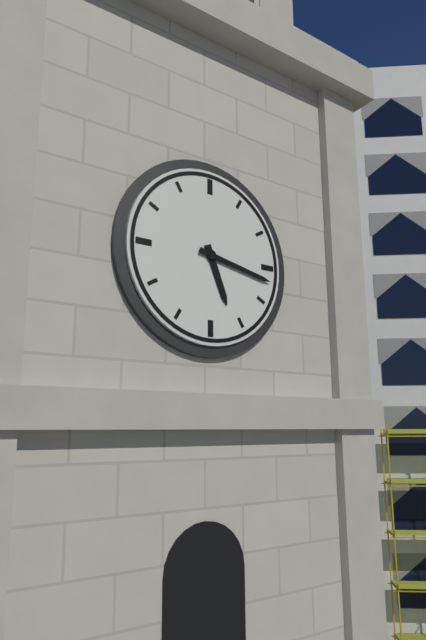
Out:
h=5 m=17
